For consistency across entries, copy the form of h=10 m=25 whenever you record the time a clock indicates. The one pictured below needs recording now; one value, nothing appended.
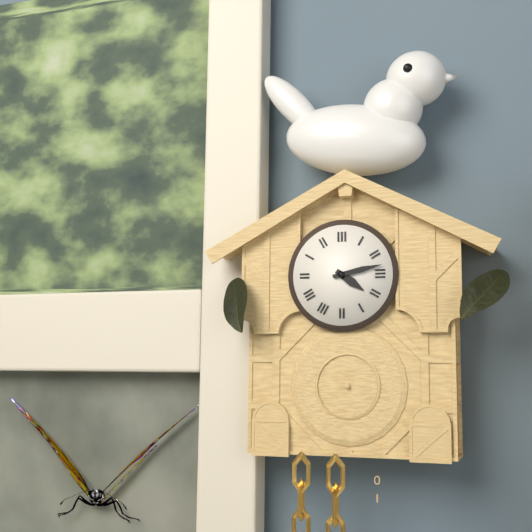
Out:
h=4 m=13
